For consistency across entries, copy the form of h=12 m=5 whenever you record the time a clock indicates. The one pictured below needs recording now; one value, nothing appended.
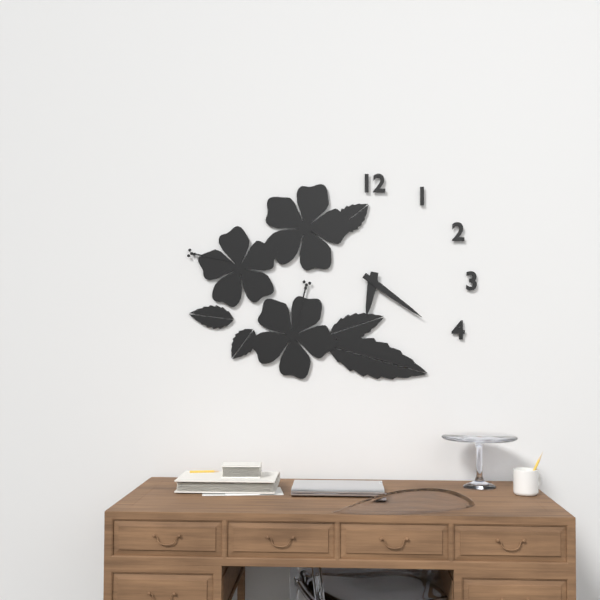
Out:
h=6 m=21
